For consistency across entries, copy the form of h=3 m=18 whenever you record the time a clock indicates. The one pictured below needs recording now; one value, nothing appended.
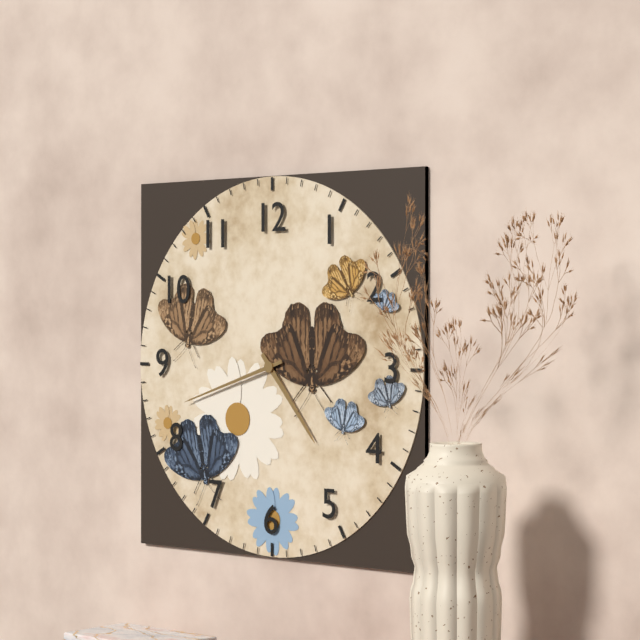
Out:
h=4 m=42
